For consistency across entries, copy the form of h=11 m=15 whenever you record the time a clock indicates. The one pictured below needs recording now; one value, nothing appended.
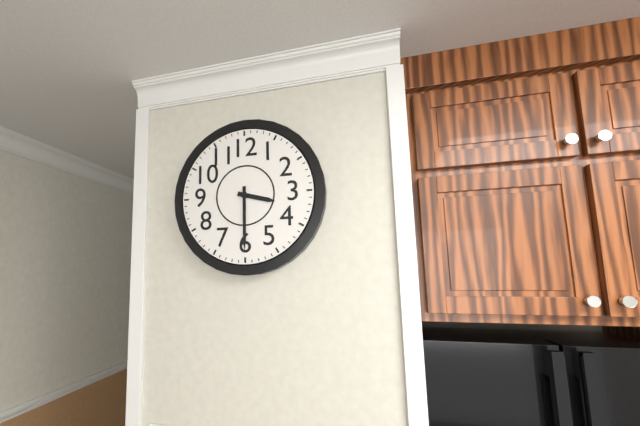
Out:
h=3 m=30
